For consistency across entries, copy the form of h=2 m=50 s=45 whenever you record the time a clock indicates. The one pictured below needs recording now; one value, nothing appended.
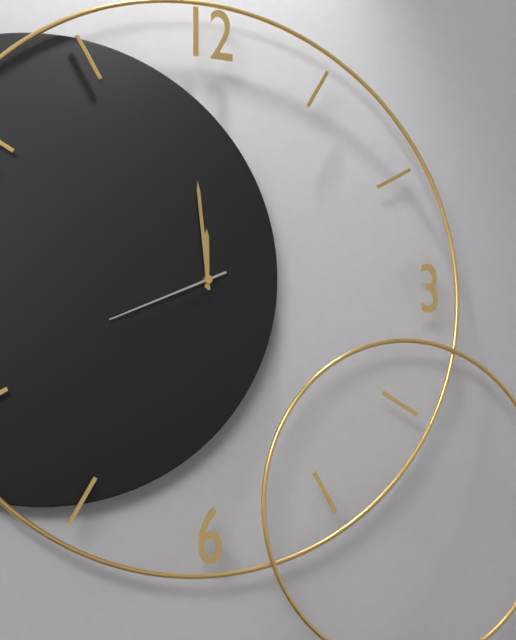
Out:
h=11 m=59 s=41
